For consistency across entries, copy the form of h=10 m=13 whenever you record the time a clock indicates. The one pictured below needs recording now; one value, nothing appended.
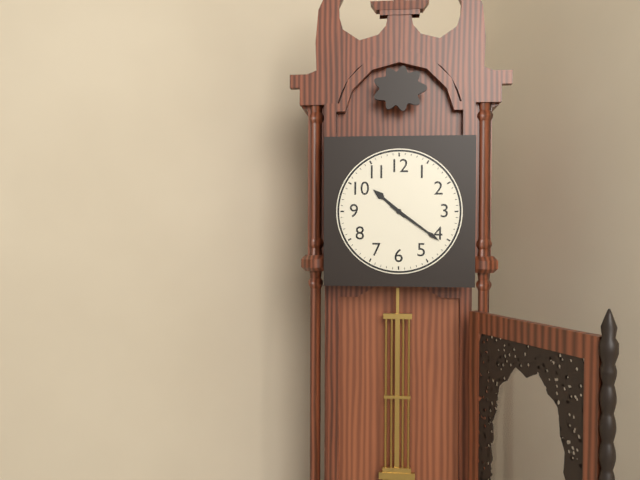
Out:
h=10 m=21
